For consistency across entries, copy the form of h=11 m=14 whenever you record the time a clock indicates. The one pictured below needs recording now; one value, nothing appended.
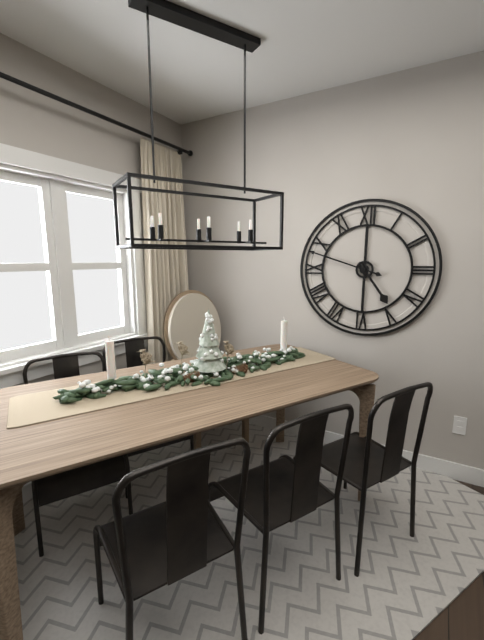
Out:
h=4 m=48
